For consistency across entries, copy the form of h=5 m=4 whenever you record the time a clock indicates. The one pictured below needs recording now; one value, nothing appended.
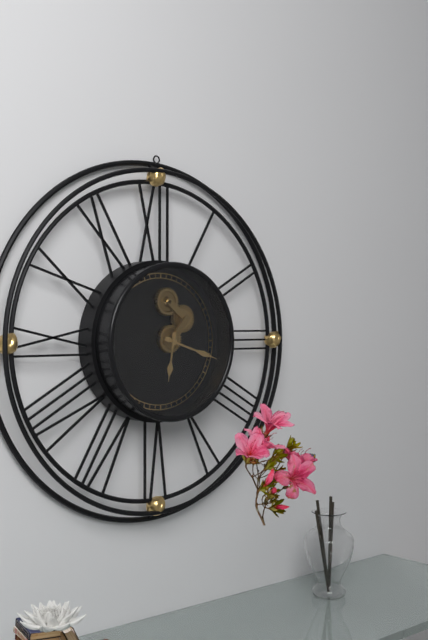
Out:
h=6 m=18
